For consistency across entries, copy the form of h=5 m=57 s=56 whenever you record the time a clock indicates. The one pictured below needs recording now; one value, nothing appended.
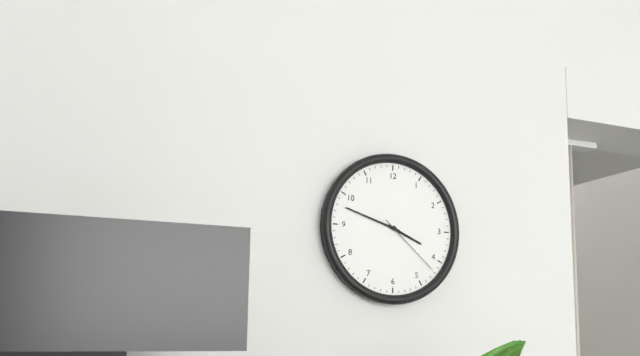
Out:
h=3 m=48 s=22
